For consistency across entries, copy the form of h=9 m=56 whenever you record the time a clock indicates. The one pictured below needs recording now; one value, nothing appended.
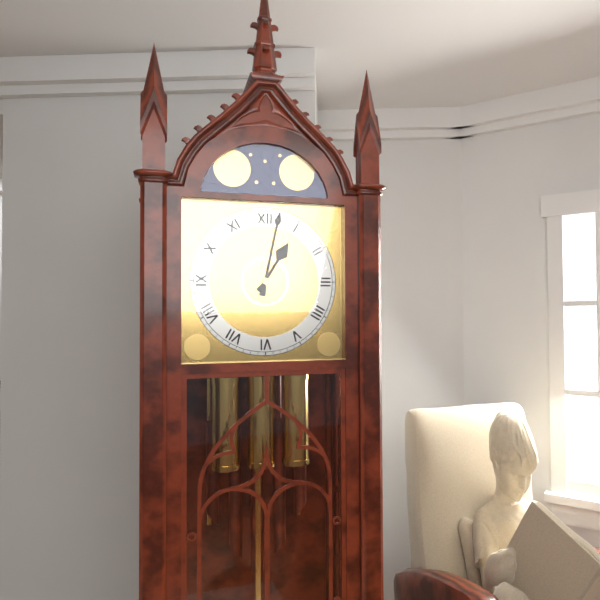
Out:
h=1 m=2
